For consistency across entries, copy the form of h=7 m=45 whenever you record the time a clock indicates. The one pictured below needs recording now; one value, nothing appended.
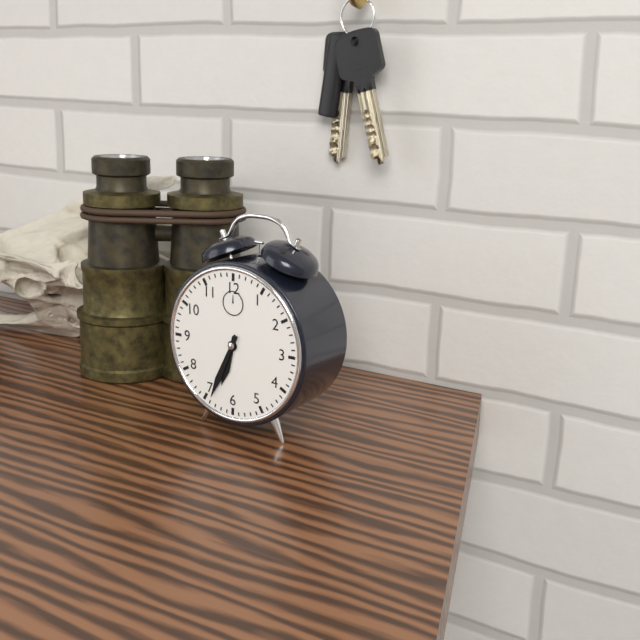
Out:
h=6 m=34
